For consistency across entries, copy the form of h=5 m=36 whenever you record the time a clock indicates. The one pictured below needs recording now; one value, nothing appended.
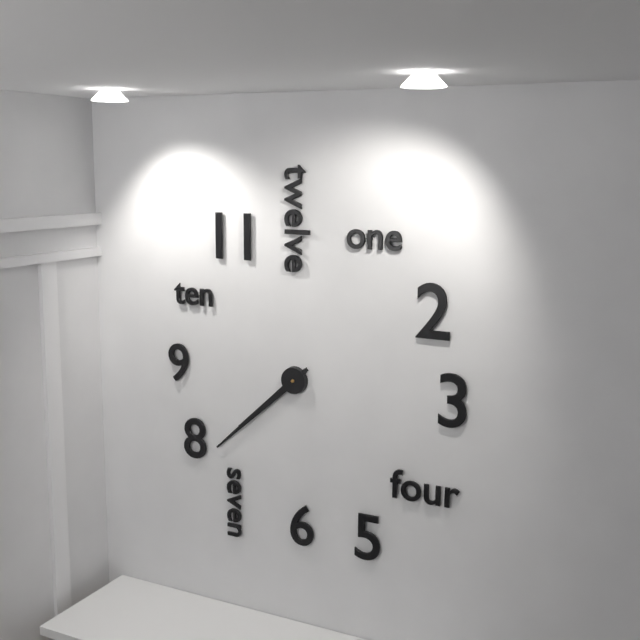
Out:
h=7 m=38
